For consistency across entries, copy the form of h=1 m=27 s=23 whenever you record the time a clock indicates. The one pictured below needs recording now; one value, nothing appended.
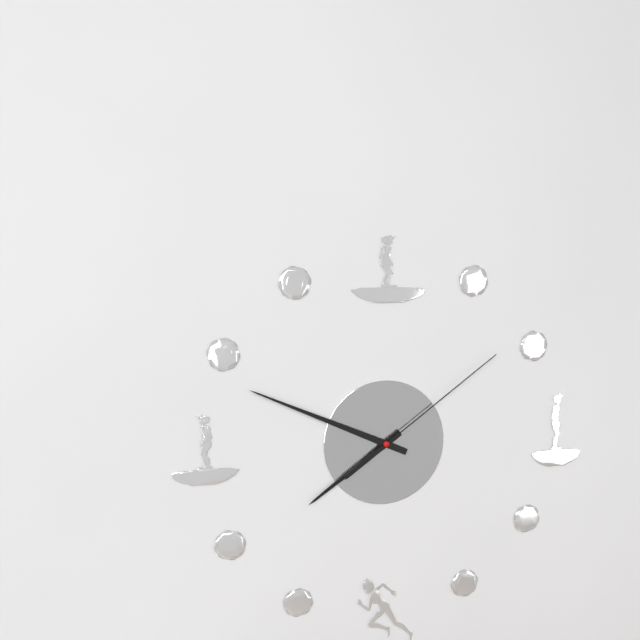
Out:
h=7 m=49 s=9
